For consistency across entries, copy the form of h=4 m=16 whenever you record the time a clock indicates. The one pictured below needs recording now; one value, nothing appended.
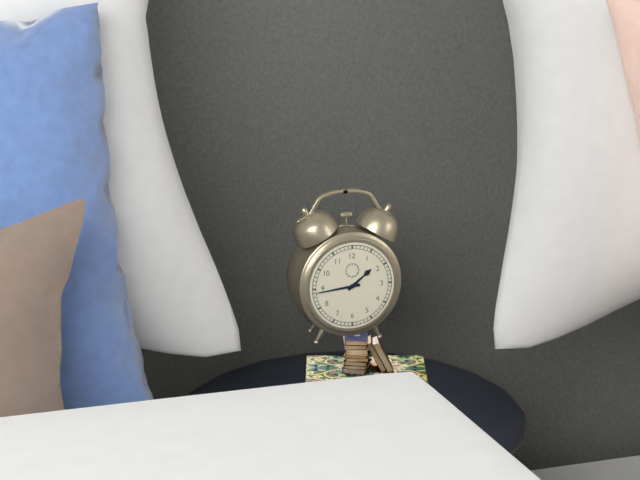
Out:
h=1 m=44
